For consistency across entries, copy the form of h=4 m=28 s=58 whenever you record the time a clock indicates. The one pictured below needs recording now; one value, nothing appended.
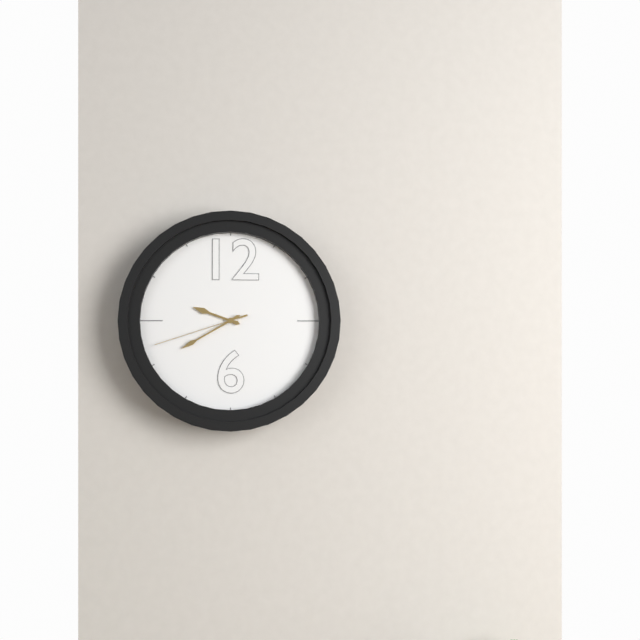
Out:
h=9 m=40 s=42
